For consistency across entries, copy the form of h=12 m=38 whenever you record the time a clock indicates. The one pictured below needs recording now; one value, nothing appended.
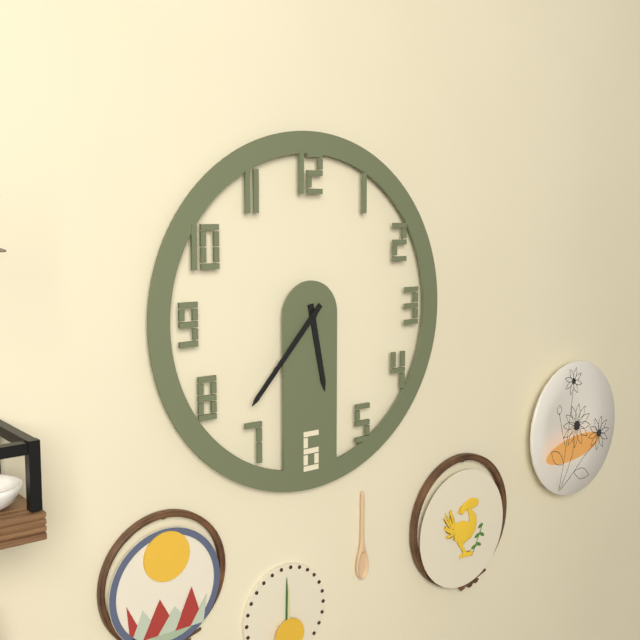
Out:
h=5 m=37
